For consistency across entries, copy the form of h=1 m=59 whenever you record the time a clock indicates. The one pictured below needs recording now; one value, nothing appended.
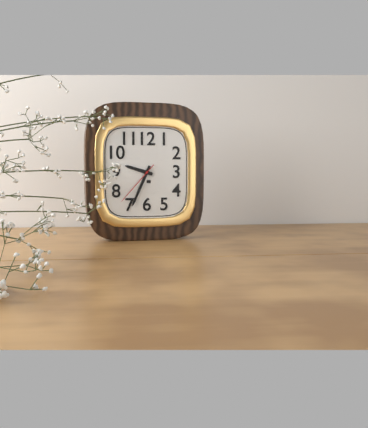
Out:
h=9 m=34
